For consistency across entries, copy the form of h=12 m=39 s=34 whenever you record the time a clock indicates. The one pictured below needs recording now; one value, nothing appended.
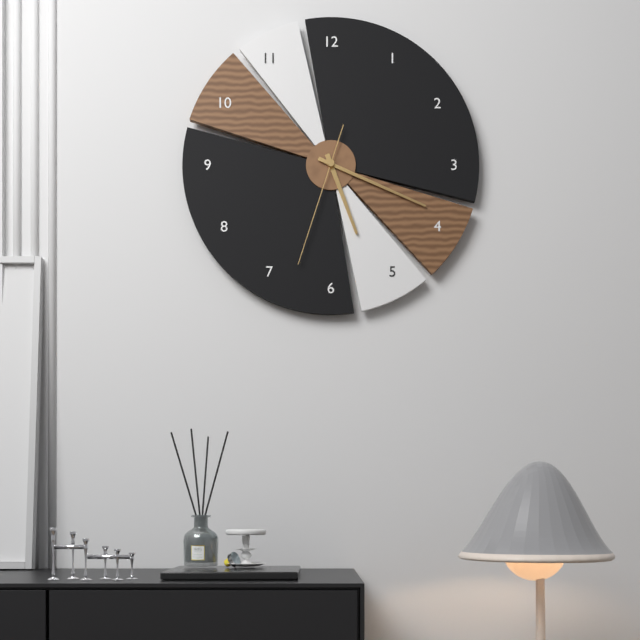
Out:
h=5 m=19 s=33
